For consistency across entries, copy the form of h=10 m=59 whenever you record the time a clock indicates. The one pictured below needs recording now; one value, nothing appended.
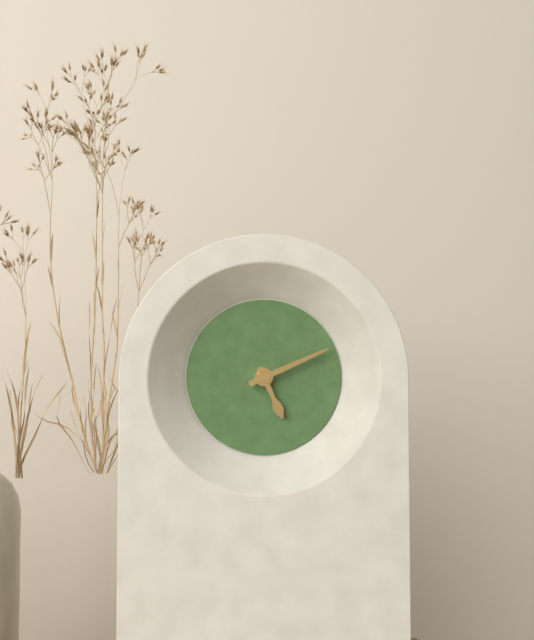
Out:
h=5 m=11
